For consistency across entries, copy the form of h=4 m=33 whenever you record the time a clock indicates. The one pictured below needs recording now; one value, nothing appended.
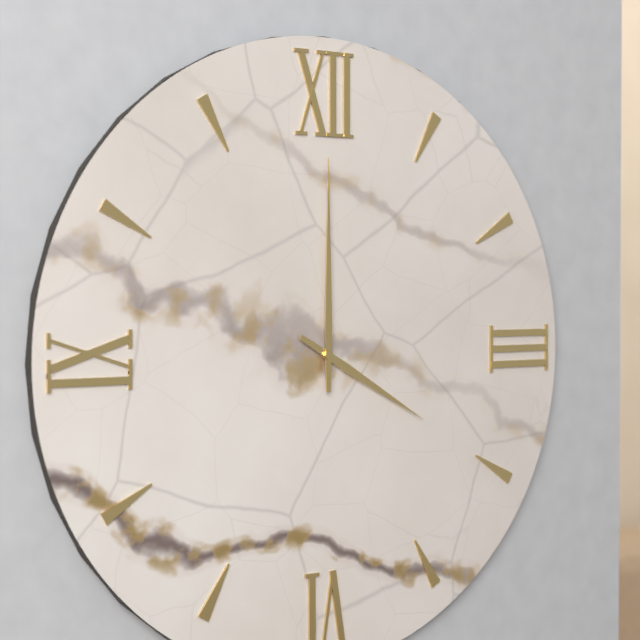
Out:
h=4 m=0
